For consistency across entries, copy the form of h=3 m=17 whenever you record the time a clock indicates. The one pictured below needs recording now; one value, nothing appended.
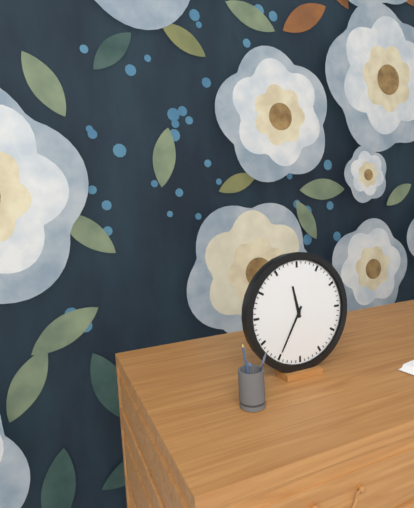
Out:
h=11 m=35
